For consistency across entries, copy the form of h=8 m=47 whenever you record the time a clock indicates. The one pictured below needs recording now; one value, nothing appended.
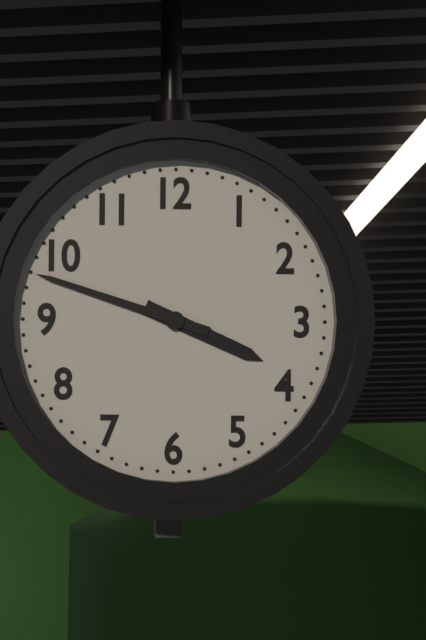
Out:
h=3 m=48
